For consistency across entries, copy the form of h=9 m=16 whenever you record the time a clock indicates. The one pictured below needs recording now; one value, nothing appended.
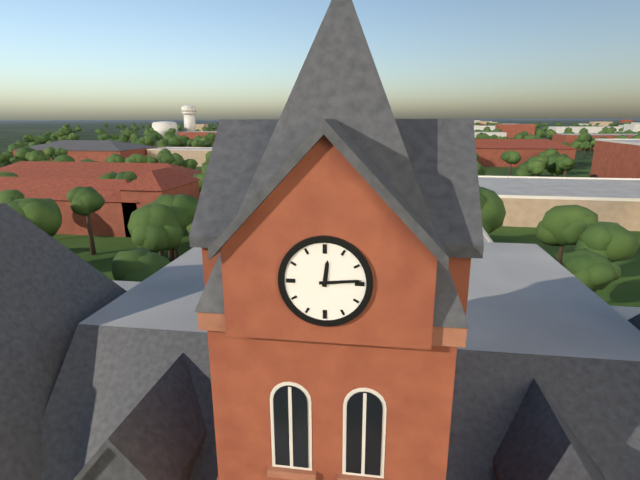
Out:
h=12 m=14
